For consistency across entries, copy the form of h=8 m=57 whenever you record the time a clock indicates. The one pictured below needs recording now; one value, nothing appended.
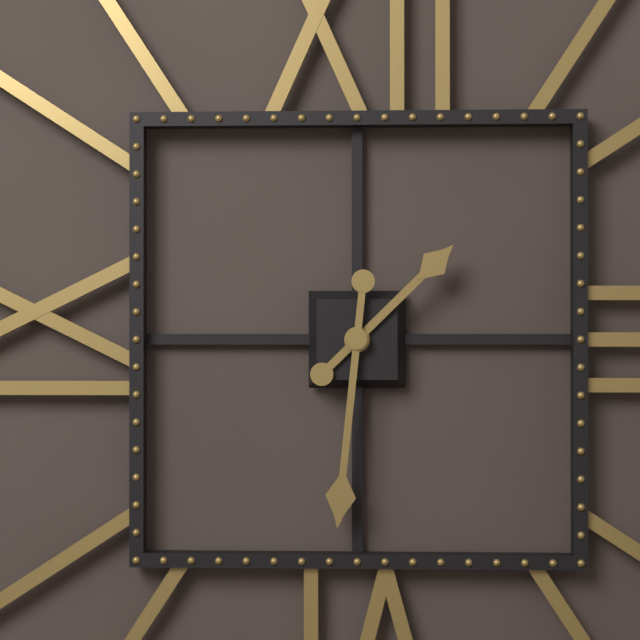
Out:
h=1 m=31
